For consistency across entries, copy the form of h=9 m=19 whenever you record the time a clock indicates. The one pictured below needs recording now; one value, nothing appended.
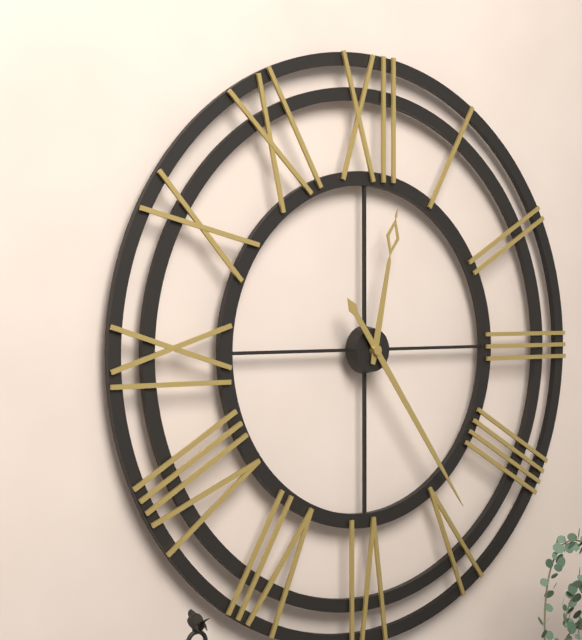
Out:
h=12 m=24
